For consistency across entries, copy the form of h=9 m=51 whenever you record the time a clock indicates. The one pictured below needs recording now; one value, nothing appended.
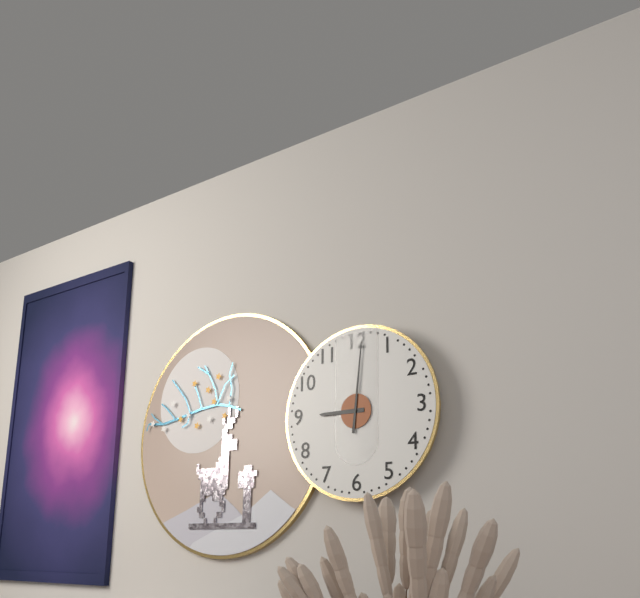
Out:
h=9 m=1
